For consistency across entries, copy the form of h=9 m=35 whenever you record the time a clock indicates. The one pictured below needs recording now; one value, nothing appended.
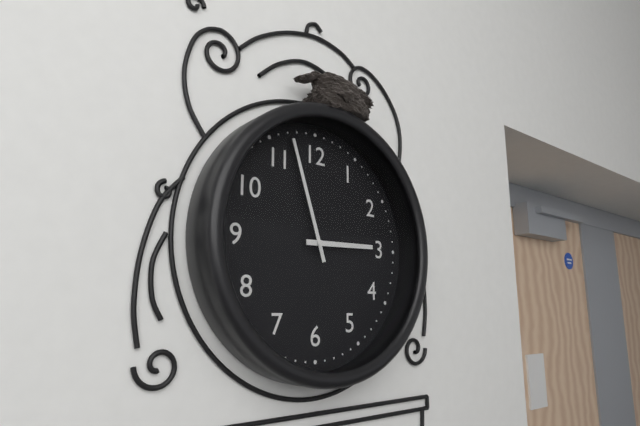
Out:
h=2 m=57
